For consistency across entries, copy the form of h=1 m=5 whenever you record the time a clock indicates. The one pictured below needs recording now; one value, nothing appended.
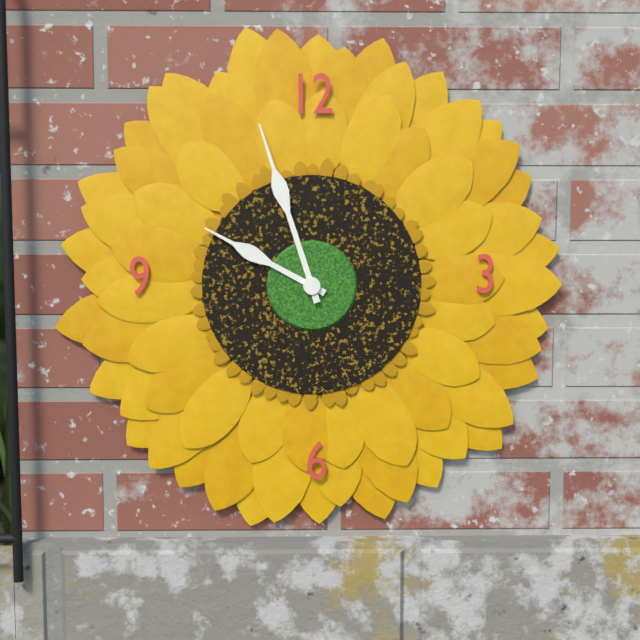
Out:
h=9 m=57
